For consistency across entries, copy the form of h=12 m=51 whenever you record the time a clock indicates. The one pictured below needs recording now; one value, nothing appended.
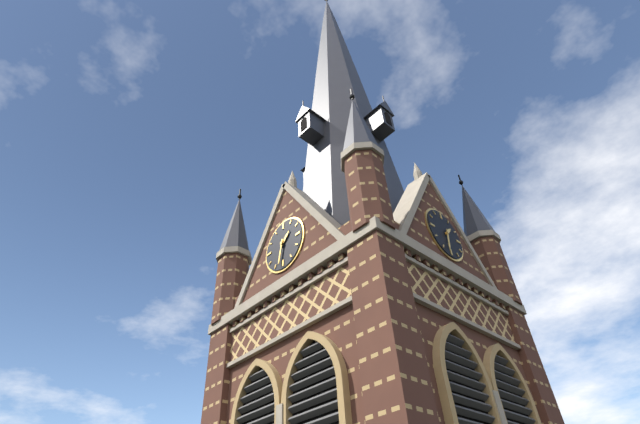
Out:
h=1 m=32
